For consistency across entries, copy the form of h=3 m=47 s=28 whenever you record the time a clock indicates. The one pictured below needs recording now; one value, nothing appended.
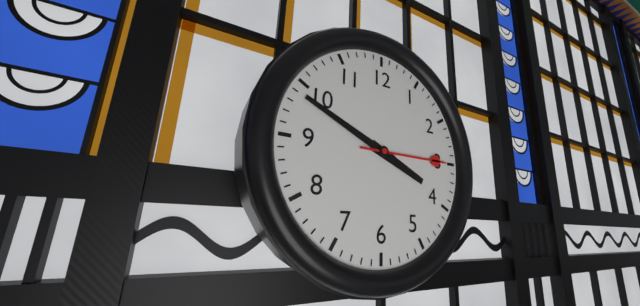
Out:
h=3 m=49 s=15
